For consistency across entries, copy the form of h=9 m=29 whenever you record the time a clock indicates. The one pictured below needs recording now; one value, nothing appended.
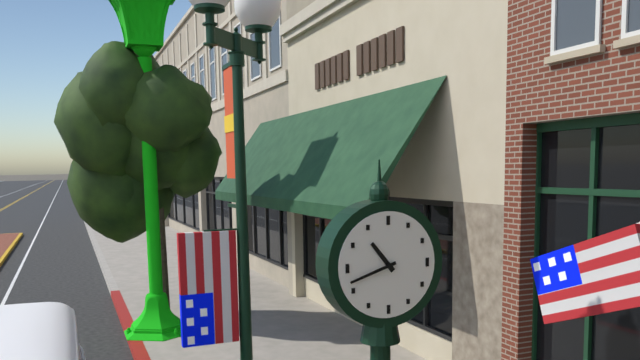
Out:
h=10 m=42
